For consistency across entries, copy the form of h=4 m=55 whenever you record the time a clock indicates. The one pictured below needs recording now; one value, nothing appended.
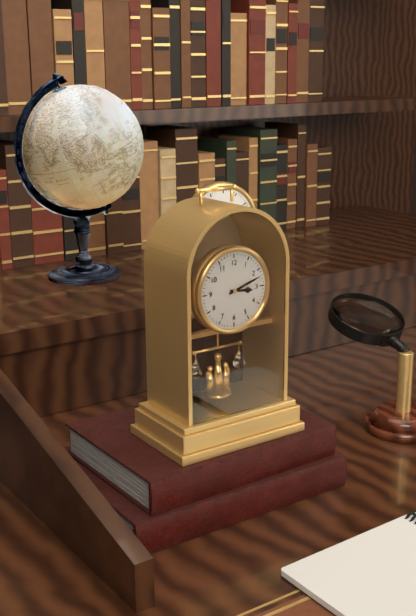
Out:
h=3 m=12
